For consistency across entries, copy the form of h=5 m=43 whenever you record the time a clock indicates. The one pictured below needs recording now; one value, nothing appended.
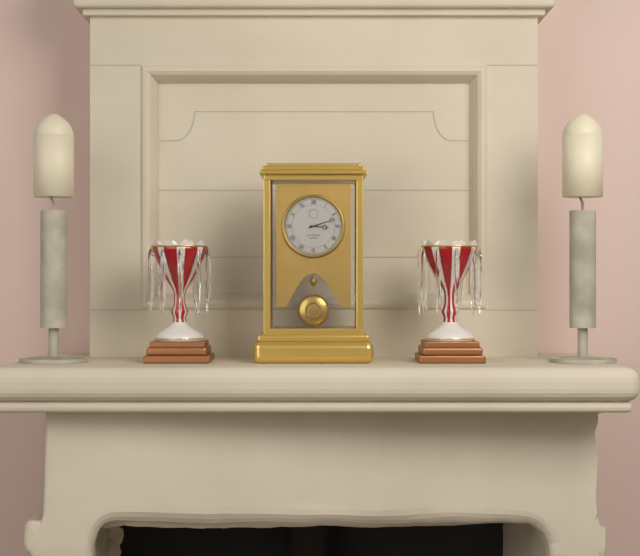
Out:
h=3 m=12
